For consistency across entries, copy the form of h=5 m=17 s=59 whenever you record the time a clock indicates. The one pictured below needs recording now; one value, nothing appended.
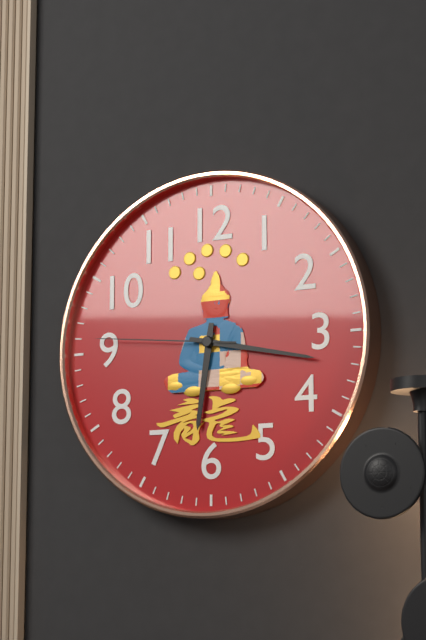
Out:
h=6 m=17 s=46
